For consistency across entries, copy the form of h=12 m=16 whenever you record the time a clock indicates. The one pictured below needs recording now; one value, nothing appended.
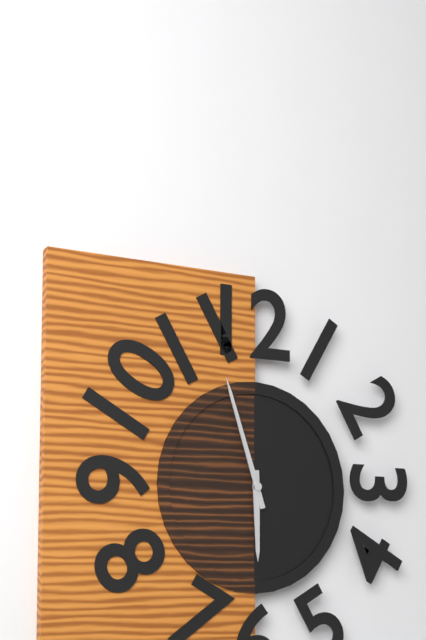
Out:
h=5 m=57
